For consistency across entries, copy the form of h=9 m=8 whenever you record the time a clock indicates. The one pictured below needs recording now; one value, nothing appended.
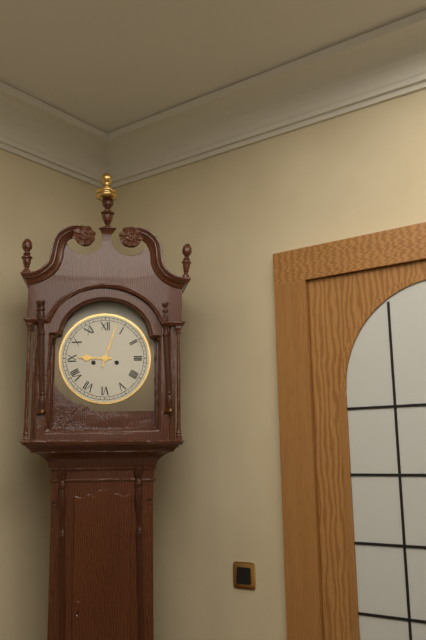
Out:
h=9 m=3
